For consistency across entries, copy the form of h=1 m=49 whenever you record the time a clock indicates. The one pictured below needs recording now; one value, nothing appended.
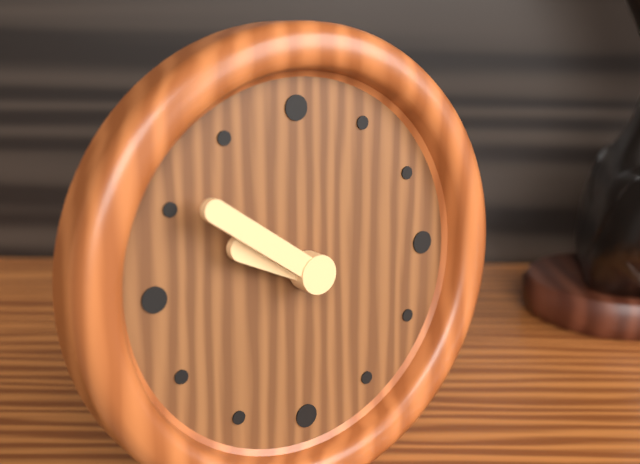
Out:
h=9 m=51
